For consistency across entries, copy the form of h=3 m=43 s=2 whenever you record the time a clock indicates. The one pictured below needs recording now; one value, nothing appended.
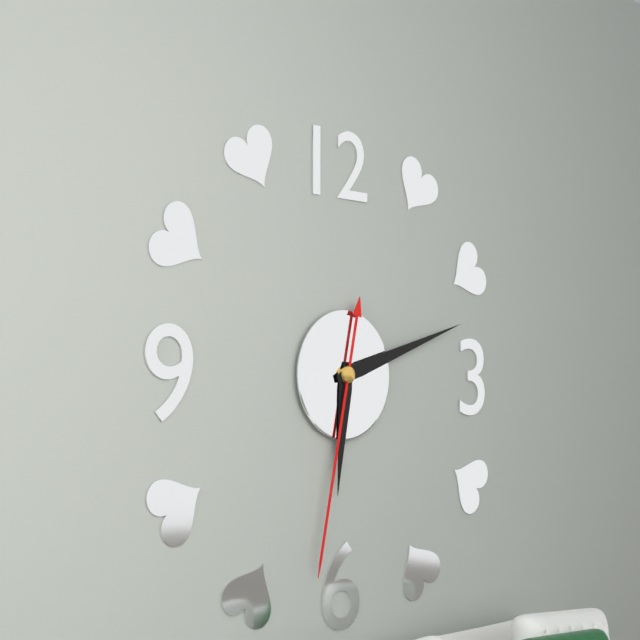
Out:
h=6 m=12 s=32
